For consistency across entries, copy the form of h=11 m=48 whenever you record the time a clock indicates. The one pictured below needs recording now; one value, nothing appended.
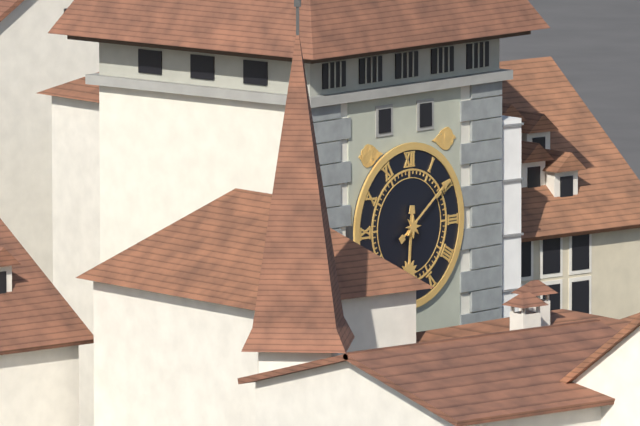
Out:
h=6 m=9
